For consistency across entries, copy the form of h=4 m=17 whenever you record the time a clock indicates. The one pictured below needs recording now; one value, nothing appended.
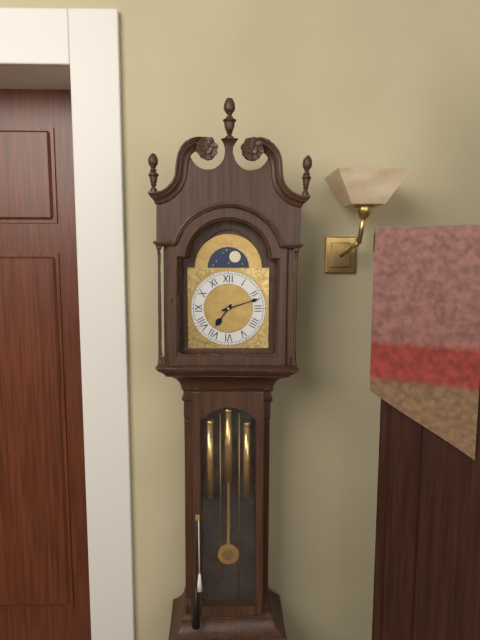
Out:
h=7 m=12
